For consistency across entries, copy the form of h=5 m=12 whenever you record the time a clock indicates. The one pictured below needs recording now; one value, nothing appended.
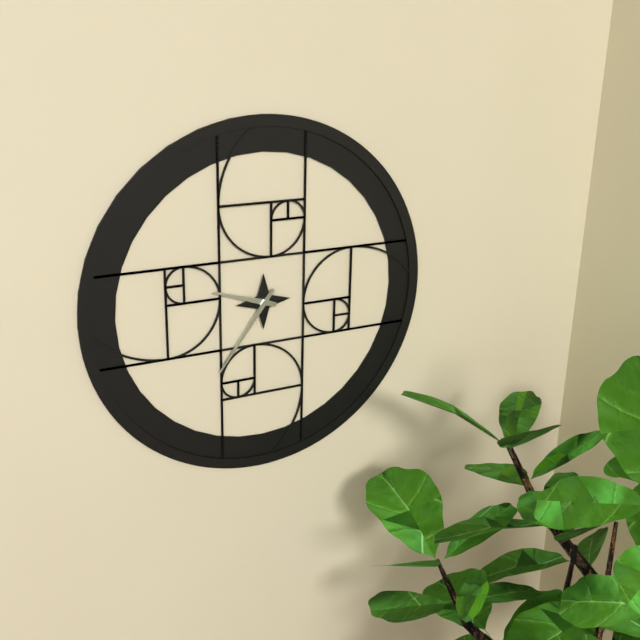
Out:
h=9 m=36
